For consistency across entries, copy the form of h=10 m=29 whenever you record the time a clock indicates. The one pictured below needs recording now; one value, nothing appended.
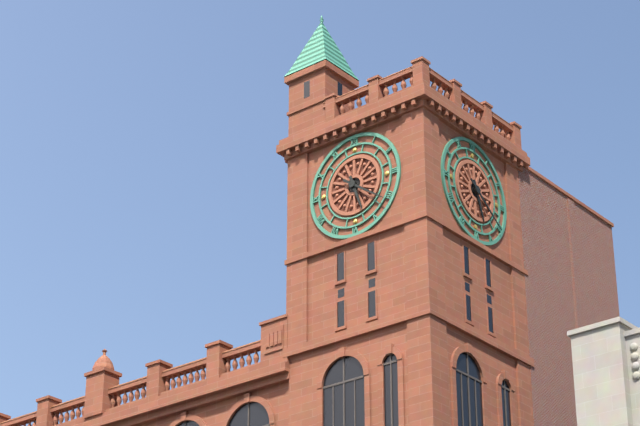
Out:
h=5 m=21
